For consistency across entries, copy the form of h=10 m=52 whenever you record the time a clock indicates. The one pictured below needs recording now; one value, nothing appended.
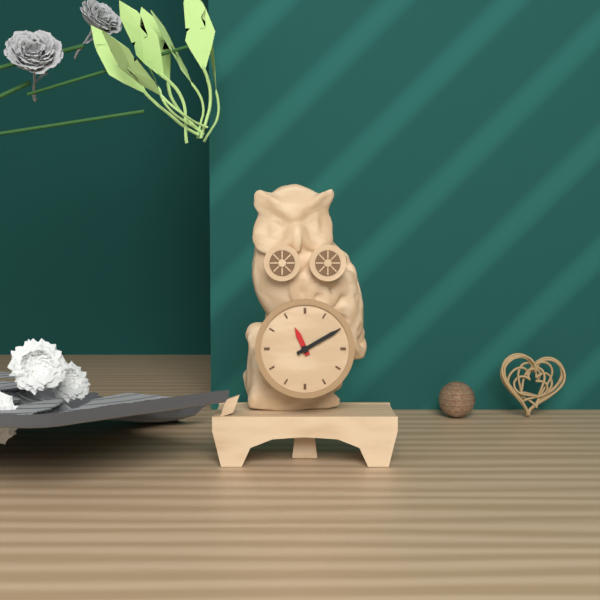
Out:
h=11 m=10
